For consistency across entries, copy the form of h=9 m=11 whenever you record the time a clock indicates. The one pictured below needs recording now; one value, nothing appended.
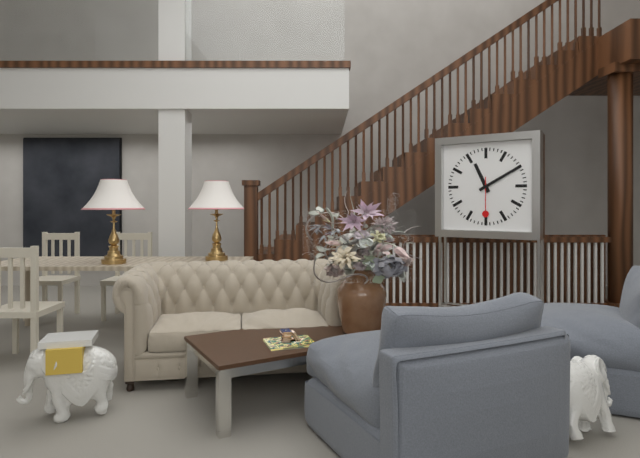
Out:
h=11 m=10
